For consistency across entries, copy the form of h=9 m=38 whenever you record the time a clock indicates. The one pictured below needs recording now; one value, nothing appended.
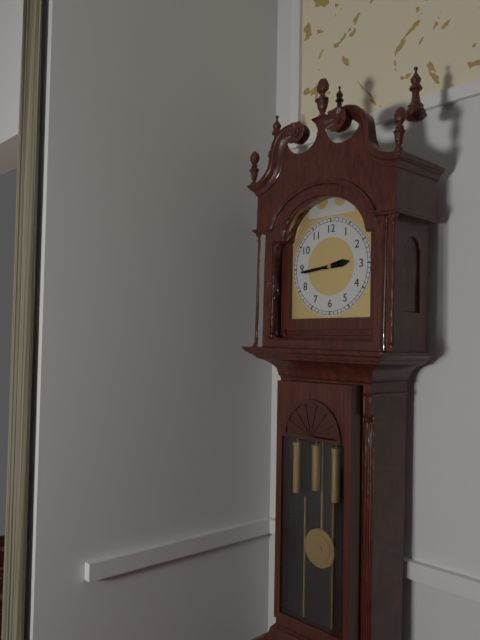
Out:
h=2 m=44
